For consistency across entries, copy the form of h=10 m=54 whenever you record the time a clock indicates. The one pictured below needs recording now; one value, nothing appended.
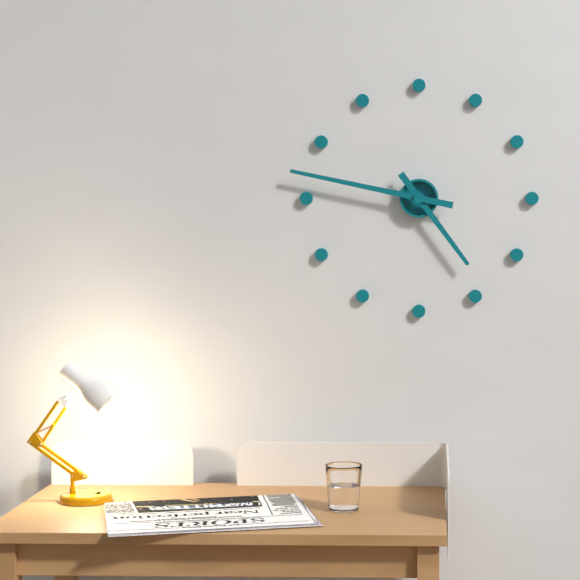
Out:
h=4 m=47
